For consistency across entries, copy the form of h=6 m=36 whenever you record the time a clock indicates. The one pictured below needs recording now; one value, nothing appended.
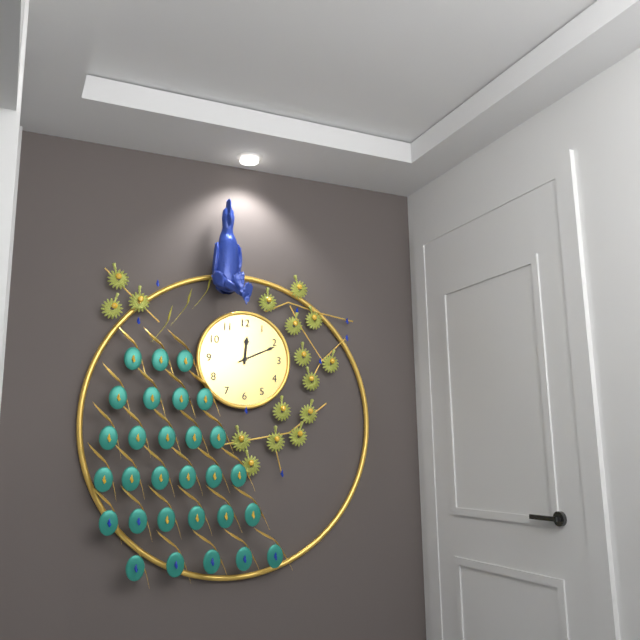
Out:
h=12 m=11
